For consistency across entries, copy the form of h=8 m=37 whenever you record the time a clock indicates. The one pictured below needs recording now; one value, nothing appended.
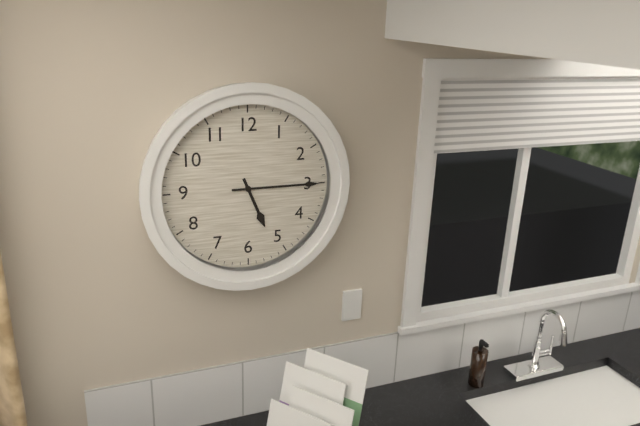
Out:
h=5 m=15
